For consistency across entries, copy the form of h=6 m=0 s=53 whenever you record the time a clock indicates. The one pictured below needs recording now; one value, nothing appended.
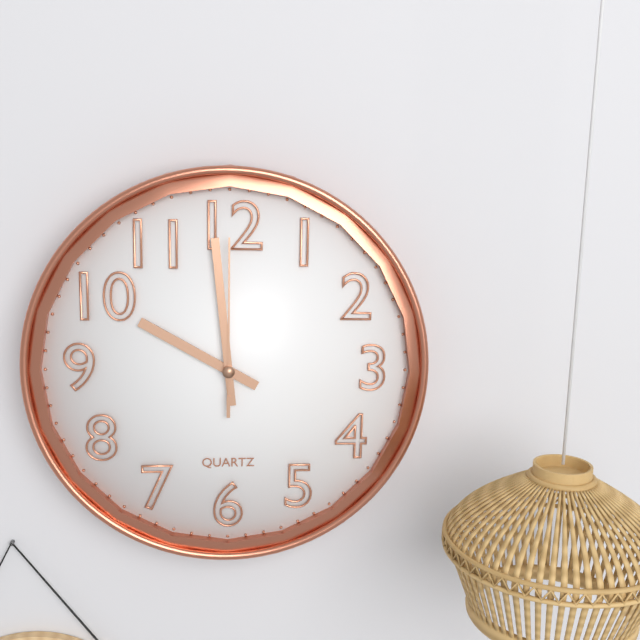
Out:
h=9 m=59 s=0
